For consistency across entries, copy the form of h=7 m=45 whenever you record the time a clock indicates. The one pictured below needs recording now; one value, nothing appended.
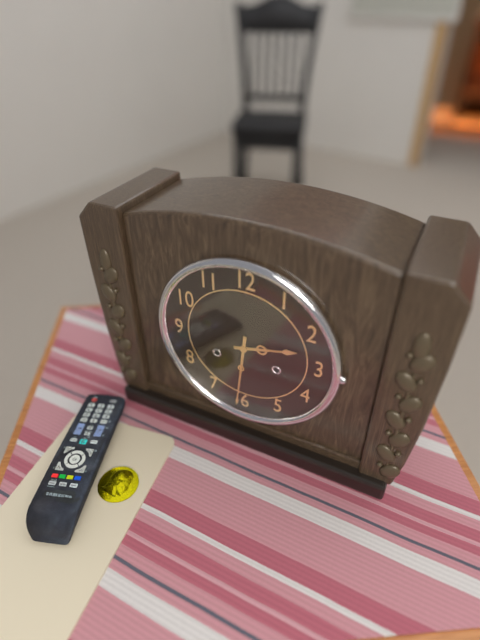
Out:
h=2 m=31
